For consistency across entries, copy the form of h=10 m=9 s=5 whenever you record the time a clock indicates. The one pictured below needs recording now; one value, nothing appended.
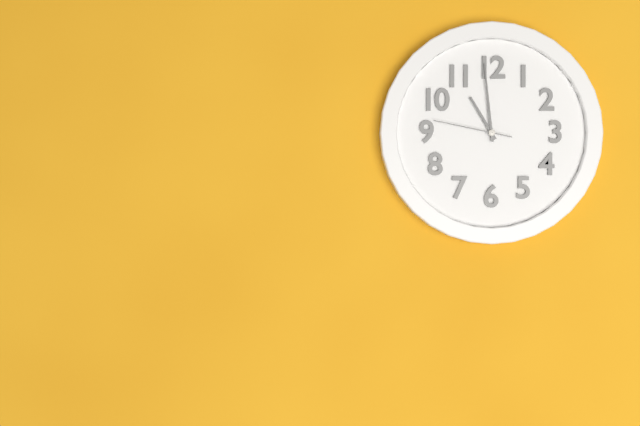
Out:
h=10 m=59 s=47
